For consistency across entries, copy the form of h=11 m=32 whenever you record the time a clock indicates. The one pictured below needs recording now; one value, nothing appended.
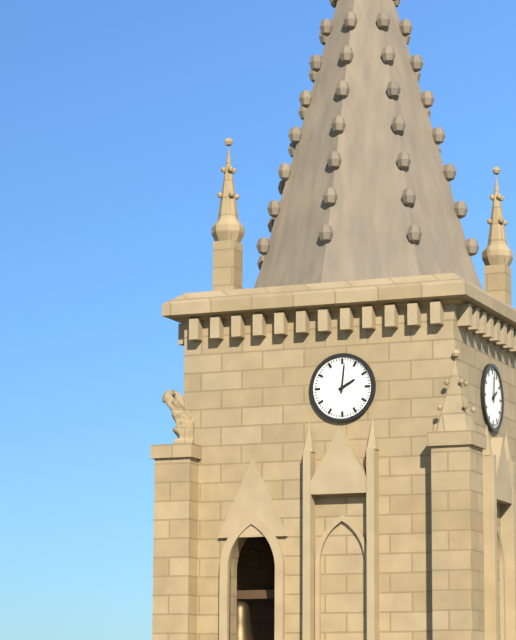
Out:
h=2 m=1
